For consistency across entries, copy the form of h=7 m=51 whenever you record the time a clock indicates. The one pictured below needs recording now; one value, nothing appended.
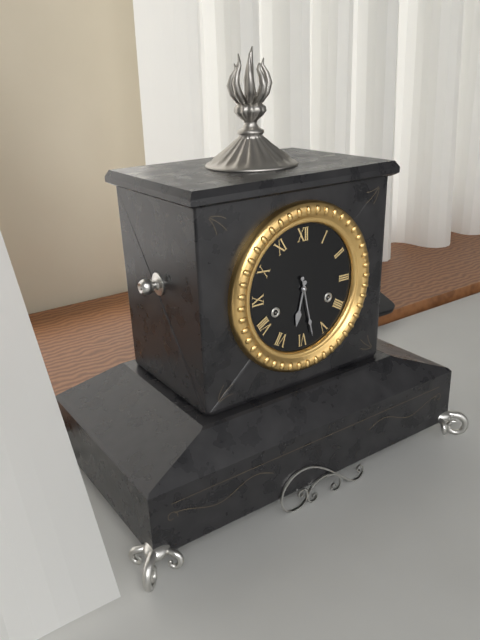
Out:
h=6 m=28
